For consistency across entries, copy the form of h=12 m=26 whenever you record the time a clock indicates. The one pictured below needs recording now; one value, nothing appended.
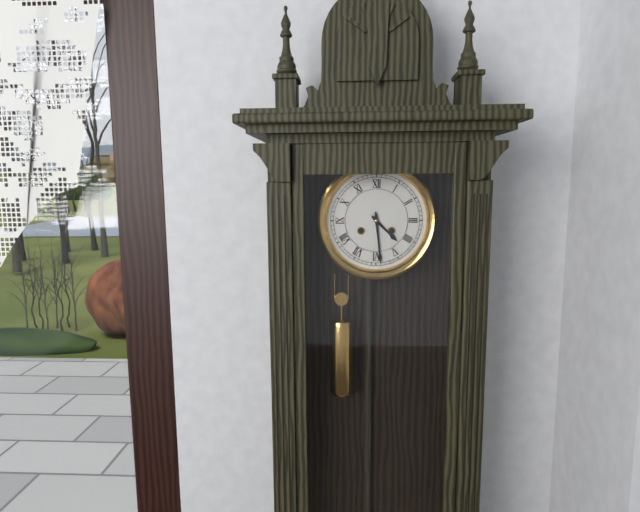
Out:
h=4 m=29
